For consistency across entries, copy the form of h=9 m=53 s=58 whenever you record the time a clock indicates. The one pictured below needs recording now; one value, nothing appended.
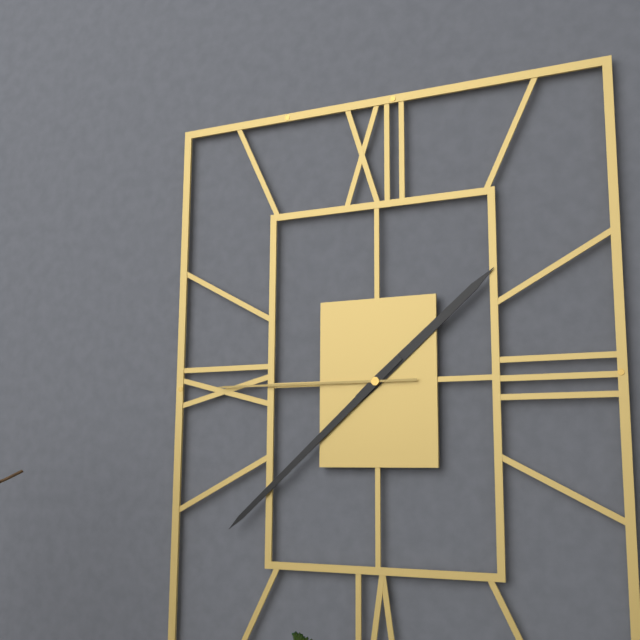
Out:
h=1 m=38 s=45
